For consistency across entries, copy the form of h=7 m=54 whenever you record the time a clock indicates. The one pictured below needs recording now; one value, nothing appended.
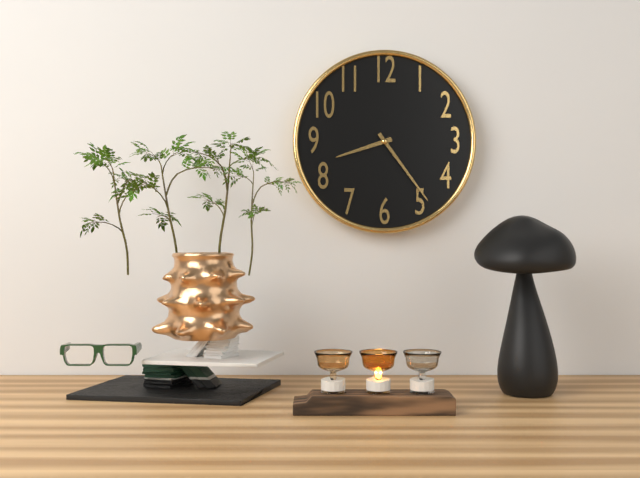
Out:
h=8 m=24
